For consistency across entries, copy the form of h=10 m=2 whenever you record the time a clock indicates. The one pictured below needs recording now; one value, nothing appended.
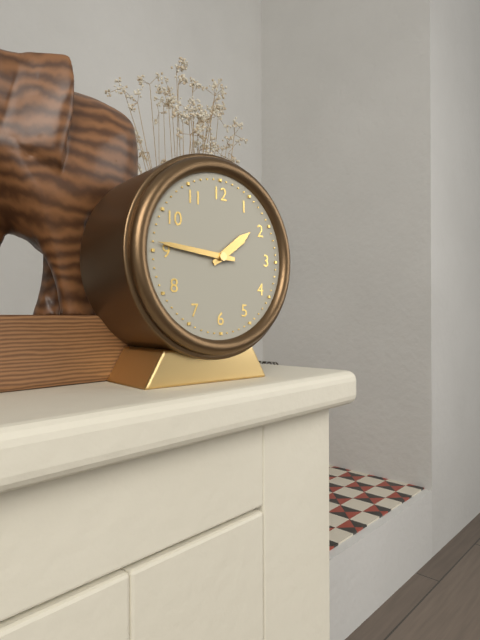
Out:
h=1 m=46
